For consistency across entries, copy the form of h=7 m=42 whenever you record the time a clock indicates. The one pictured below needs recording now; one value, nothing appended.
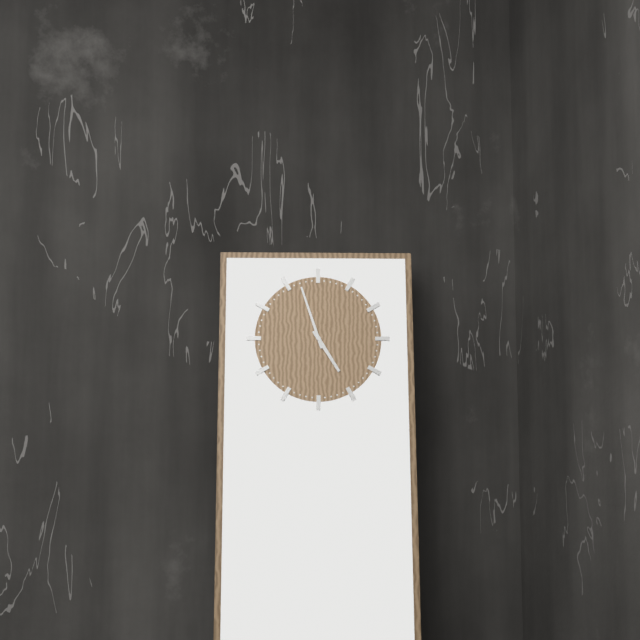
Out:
h=4 m=57
